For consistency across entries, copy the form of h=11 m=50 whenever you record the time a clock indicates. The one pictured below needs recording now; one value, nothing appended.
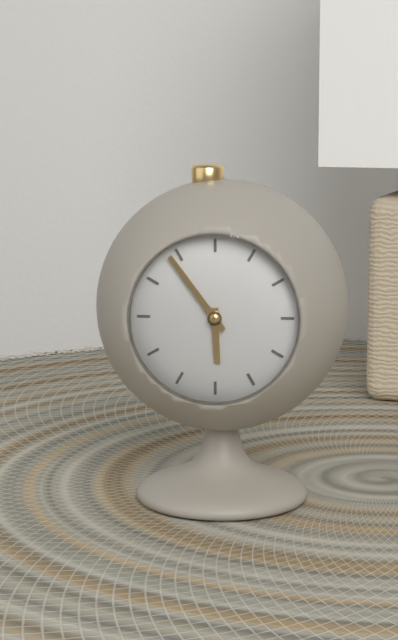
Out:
h=5 m=54
